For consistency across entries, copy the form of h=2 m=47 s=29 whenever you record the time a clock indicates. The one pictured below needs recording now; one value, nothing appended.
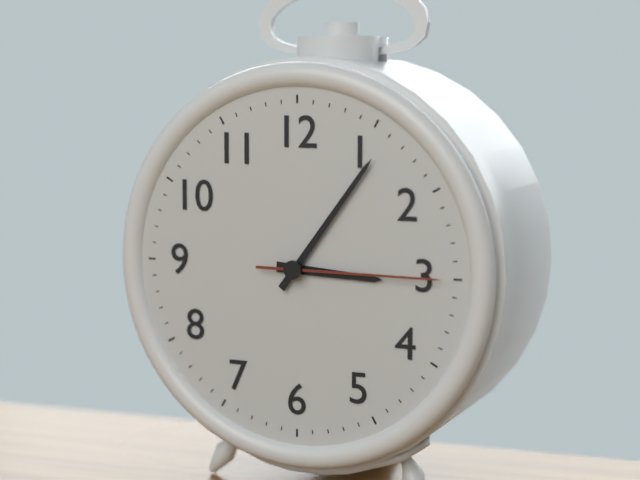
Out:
h=3 m=6 s=15
